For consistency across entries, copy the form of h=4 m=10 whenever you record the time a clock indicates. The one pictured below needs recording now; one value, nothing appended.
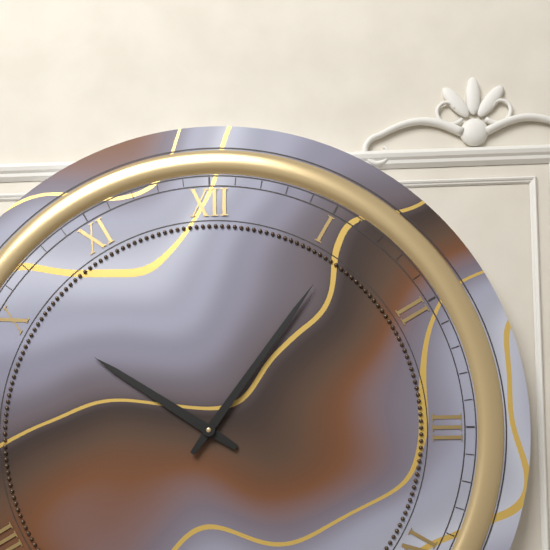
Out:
h=10 m=6
